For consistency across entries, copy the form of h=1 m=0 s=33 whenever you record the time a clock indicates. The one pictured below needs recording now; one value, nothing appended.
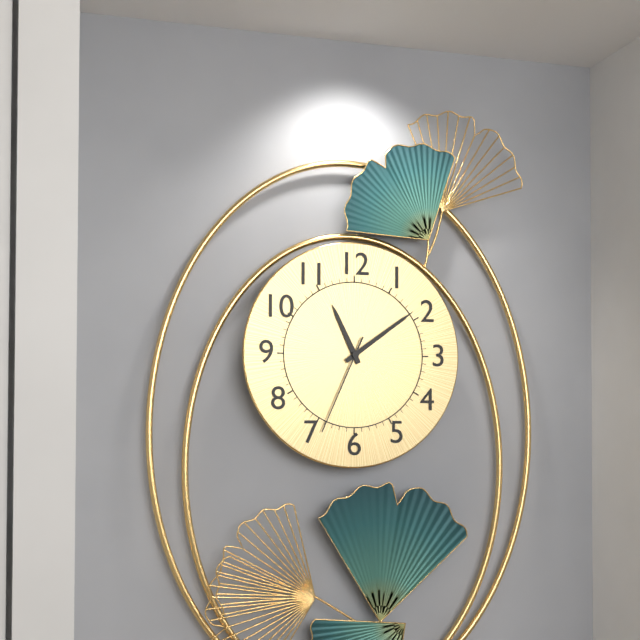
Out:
h=11 m=9 s=34
